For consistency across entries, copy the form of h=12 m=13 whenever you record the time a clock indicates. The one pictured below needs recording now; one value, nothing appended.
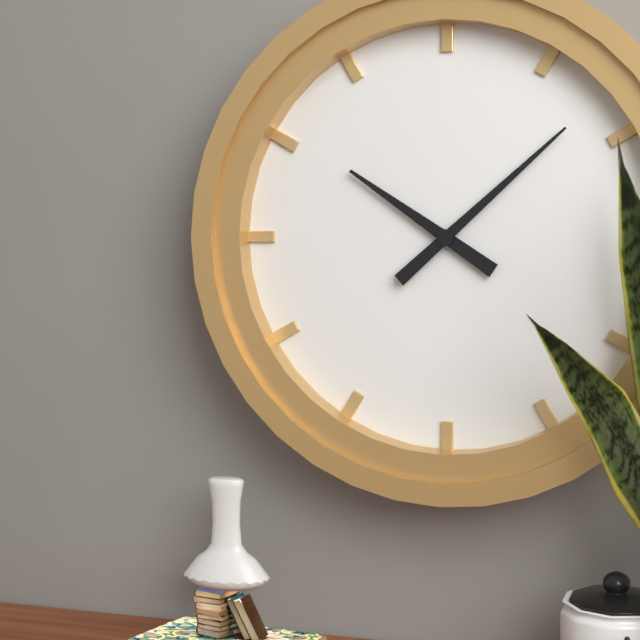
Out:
h=10 m=8
